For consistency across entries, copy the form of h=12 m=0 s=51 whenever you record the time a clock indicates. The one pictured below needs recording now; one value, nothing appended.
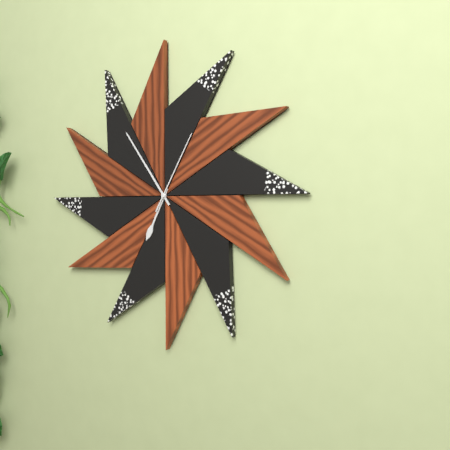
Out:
h=6 m=54 s=5
